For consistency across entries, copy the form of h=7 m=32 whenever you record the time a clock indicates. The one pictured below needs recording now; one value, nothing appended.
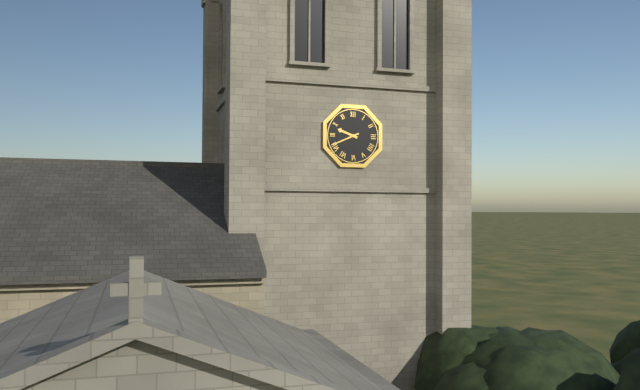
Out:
h=9 m=41
